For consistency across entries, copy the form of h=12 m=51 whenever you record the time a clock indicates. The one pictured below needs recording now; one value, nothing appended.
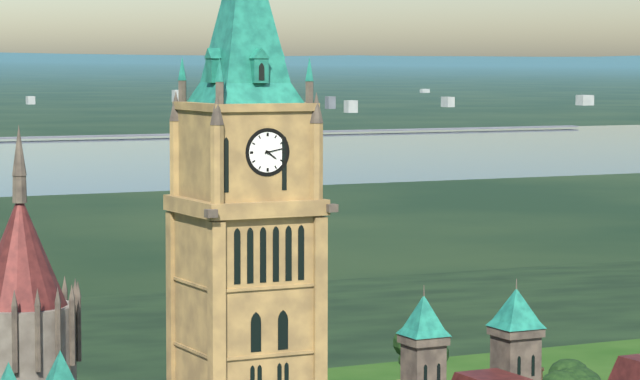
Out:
h=4 m=13
